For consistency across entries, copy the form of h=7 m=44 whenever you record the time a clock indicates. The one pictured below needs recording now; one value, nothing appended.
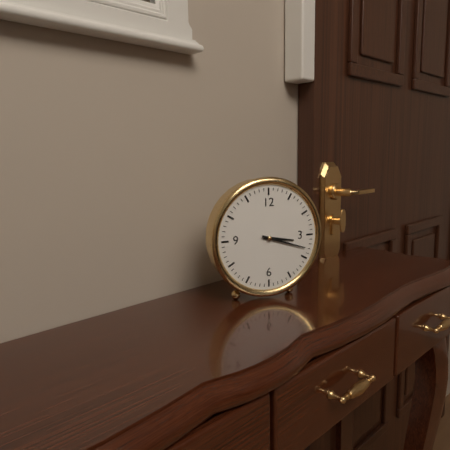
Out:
h=3 m=18
